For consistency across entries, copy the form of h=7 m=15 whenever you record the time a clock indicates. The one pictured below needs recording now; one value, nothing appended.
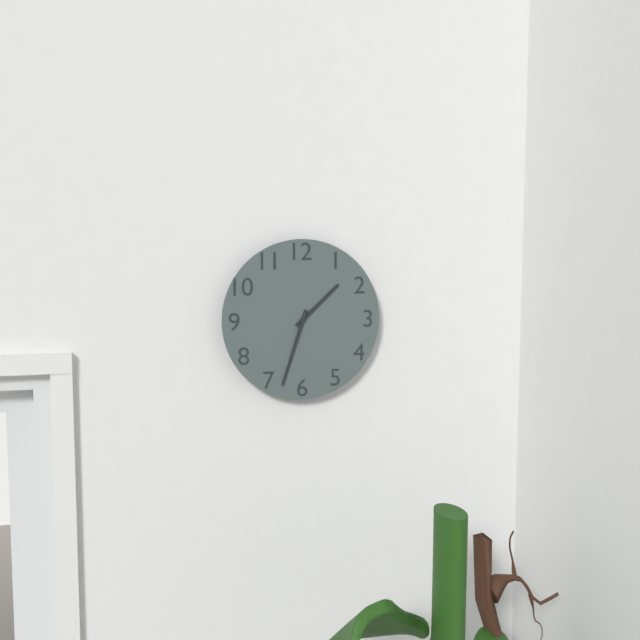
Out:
h=1 m=33
